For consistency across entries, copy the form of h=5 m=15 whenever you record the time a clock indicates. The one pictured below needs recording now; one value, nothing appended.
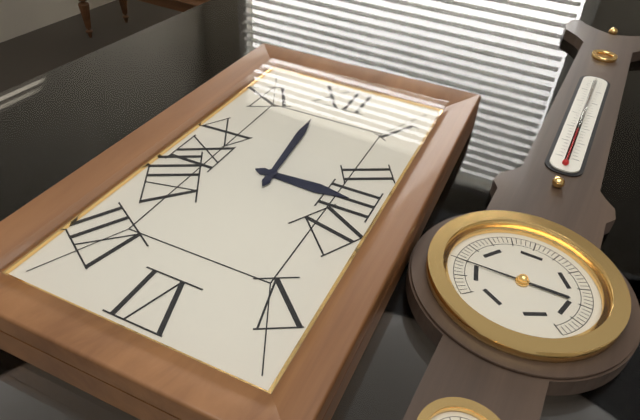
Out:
h=2 m=59
